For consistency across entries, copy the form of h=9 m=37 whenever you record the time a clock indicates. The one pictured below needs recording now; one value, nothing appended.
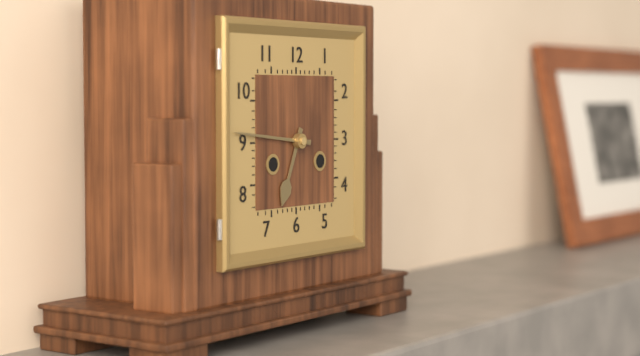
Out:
h=6 m=46
